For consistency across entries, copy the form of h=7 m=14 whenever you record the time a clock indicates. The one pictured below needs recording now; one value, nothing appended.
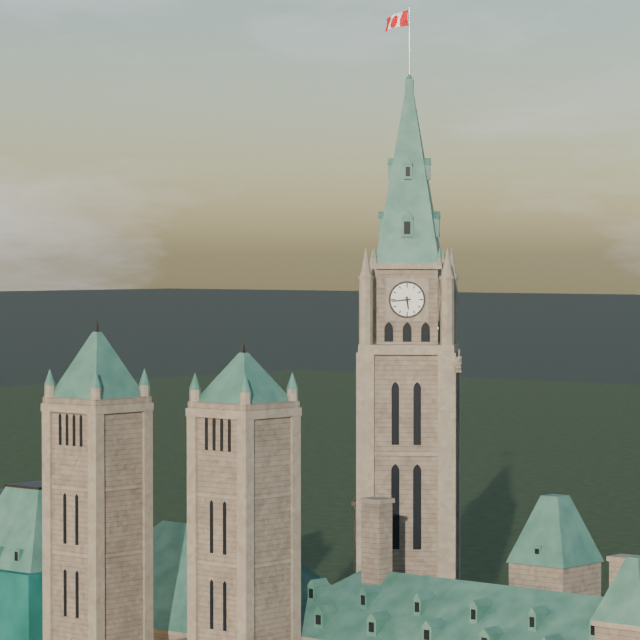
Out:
h=5 m=44
